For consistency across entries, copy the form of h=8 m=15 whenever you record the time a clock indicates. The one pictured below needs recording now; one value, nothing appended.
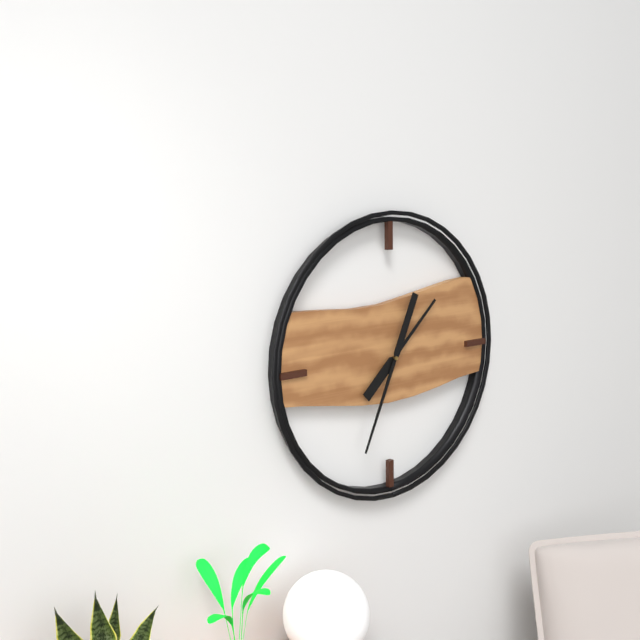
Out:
h=1 m=34
